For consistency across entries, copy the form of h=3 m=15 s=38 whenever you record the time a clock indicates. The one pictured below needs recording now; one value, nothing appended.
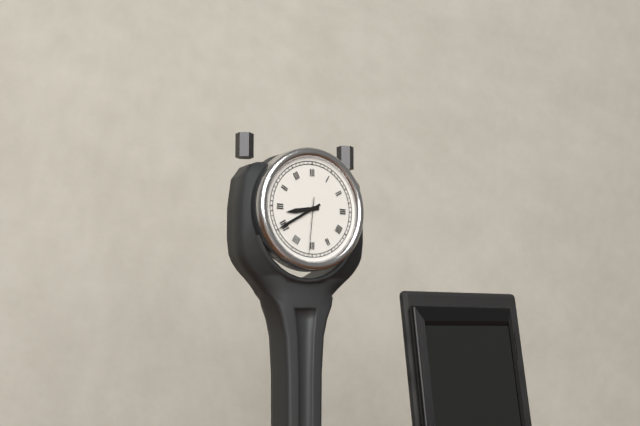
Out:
h=8 m=40 s=31
